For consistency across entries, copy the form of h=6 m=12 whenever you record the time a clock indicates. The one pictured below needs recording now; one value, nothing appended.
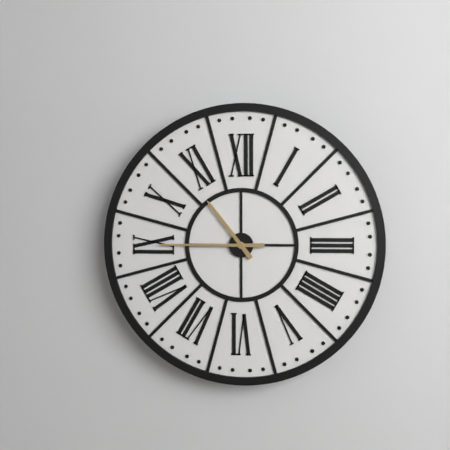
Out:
h=10 m=45
